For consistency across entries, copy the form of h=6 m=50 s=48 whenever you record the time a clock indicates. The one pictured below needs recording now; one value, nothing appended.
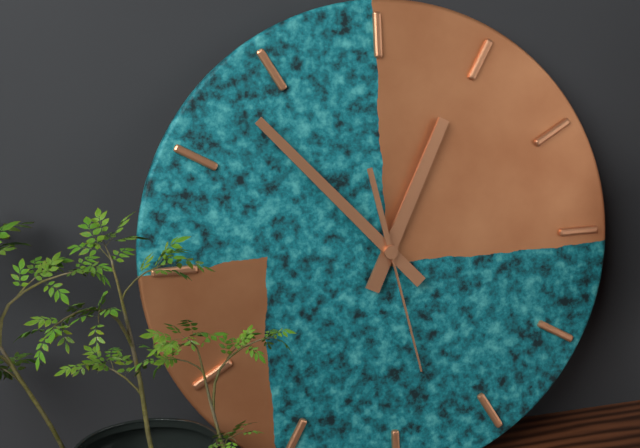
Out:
h=12 m=53 s=28
